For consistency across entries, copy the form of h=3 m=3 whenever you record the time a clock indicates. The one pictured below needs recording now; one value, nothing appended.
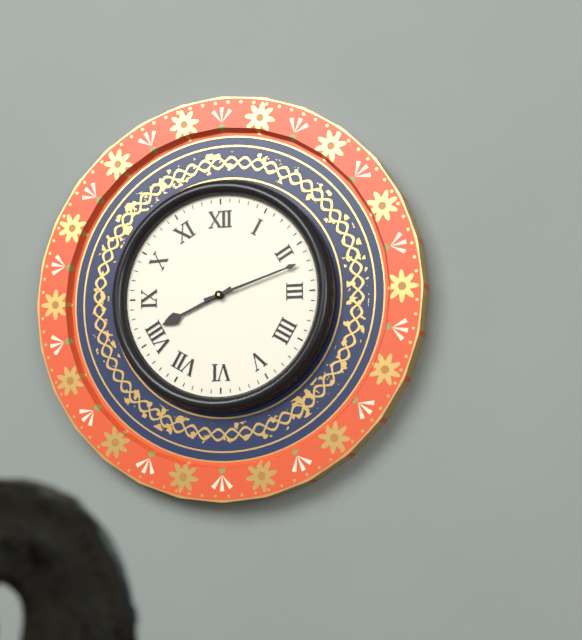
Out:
h=8 m=12
